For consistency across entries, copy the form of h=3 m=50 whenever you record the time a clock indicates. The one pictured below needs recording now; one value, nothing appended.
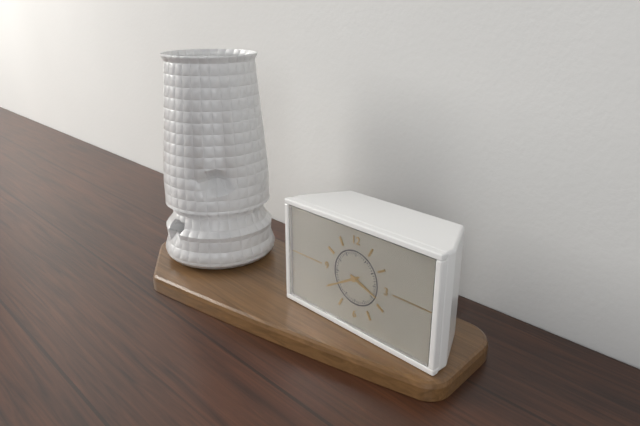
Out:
h=3 m=40
